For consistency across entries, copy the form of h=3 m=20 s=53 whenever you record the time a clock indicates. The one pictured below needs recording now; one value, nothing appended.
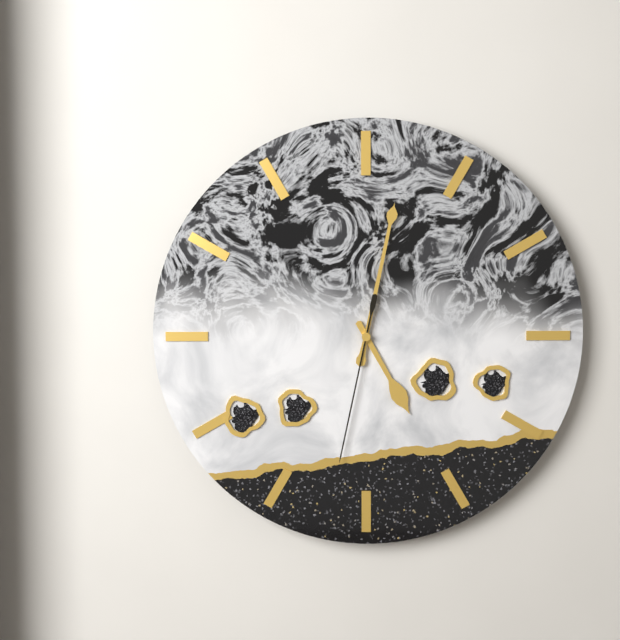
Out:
h=5 m=2 s=32
